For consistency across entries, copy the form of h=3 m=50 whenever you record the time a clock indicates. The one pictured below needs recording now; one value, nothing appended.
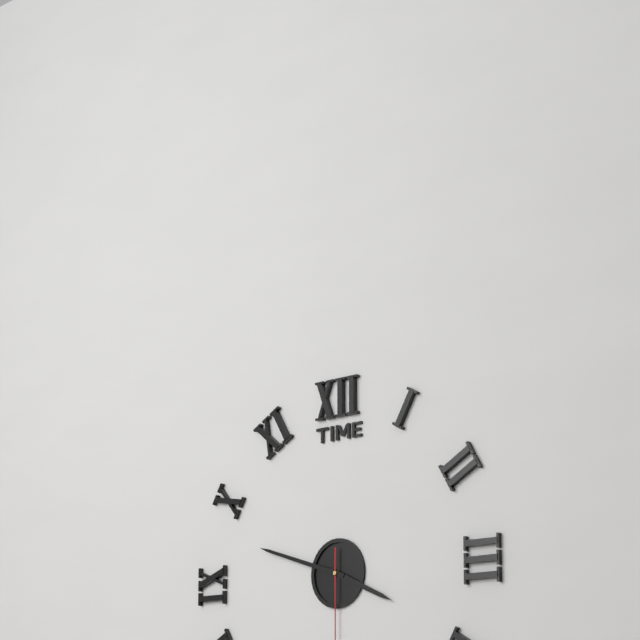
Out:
h=3 m=48
